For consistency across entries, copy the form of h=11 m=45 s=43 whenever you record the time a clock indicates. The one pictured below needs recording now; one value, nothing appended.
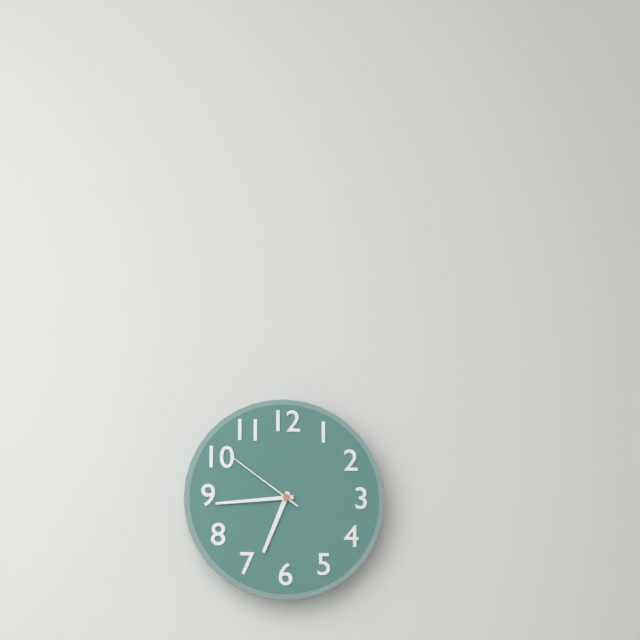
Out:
h=6 m=44 s=51
